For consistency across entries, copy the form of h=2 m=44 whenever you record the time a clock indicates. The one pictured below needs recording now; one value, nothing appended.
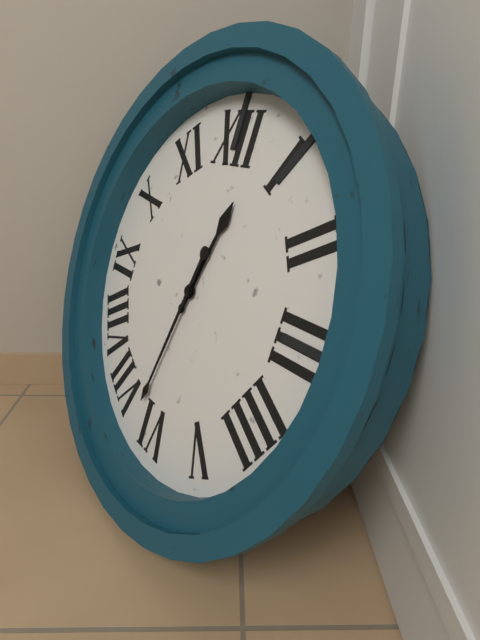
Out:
h=12 m=32
